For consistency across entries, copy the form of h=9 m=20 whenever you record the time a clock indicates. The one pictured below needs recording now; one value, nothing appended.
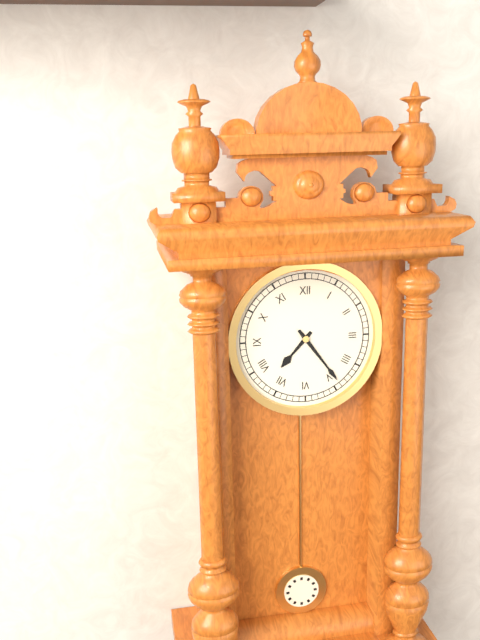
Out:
h=7 m=24
